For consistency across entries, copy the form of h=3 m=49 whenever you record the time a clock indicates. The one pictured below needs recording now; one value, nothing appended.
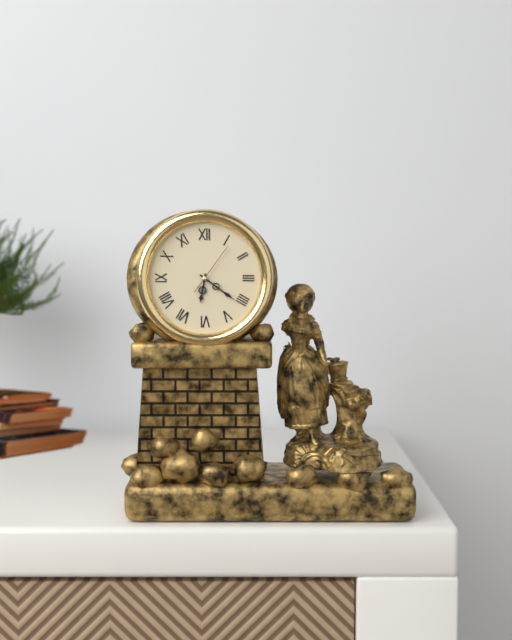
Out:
h=6 m=21
